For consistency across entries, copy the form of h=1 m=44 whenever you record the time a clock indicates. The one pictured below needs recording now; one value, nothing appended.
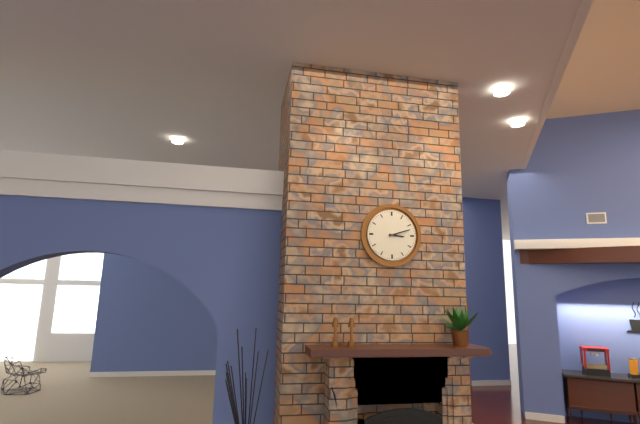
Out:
h=3 m=12
